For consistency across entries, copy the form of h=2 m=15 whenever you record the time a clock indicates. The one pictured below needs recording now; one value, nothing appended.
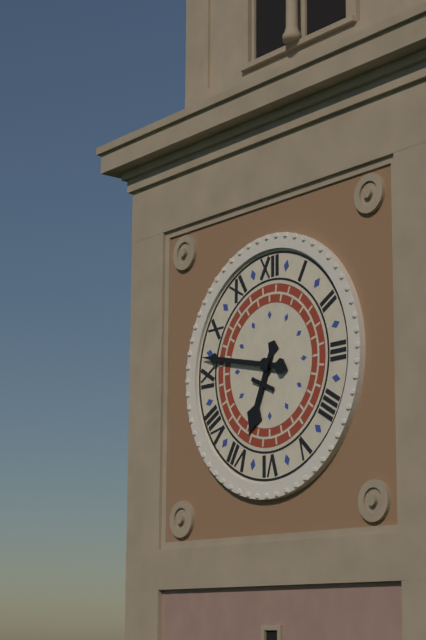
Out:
h=6 m=47
